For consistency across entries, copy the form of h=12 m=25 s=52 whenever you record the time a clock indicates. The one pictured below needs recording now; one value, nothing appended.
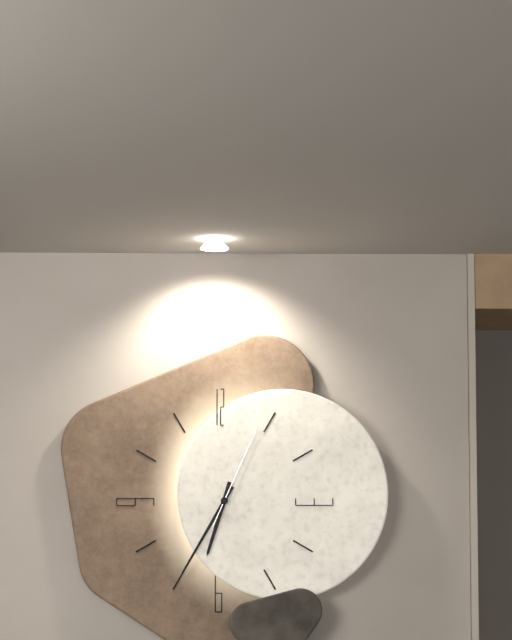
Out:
h=6 m=35 s=4
